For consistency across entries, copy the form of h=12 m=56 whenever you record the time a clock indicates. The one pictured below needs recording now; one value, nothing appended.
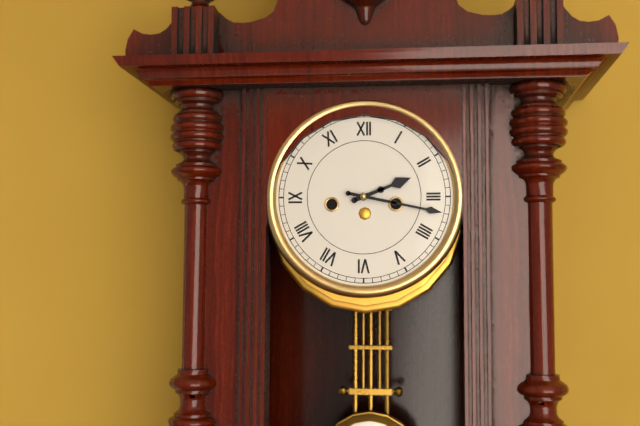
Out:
h=2 m=17
